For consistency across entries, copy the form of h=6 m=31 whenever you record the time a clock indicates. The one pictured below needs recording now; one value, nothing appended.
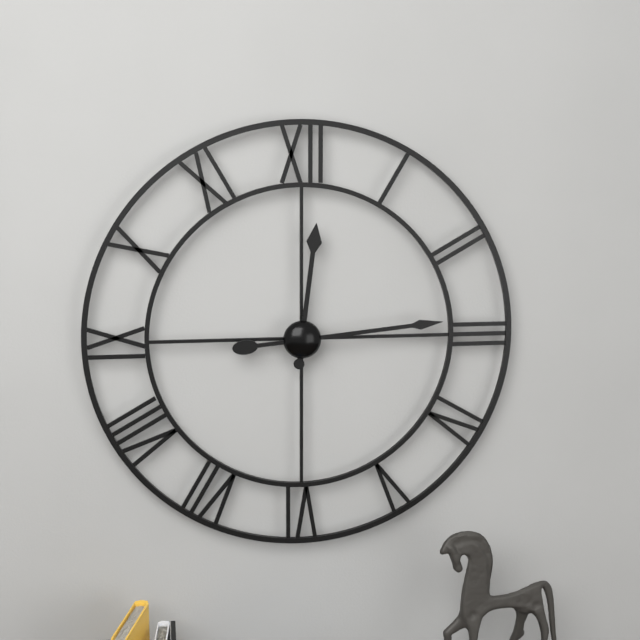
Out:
h=12 m=14
